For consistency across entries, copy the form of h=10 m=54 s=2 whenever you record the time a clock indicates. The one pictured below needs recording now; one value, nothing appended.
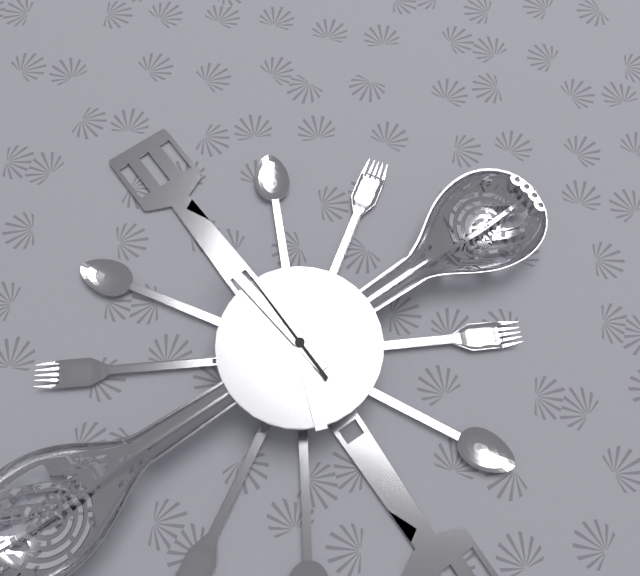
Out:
h=3 m=44 s=45
